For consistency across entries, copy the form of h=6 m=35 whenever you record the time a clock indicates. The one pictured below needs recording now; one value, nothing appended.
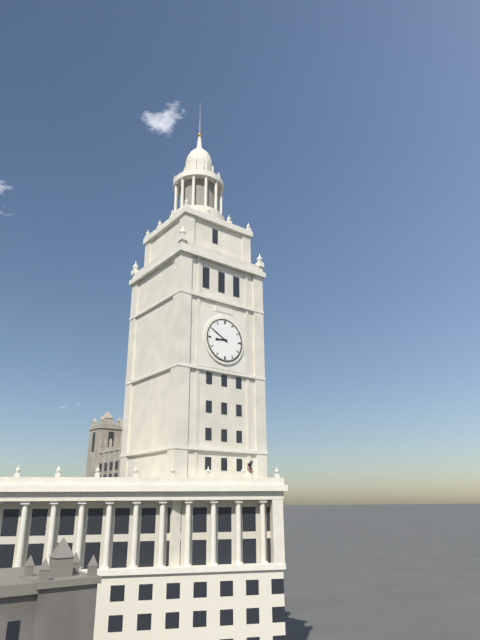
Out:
h=8 m=50
